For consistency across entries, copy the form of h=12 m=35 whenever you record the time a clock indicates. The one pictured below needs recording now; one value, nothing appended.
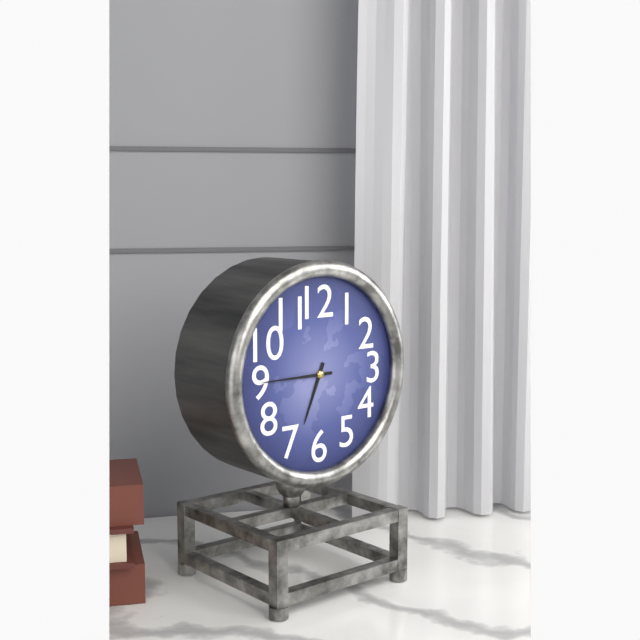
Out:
h=6 m=45
